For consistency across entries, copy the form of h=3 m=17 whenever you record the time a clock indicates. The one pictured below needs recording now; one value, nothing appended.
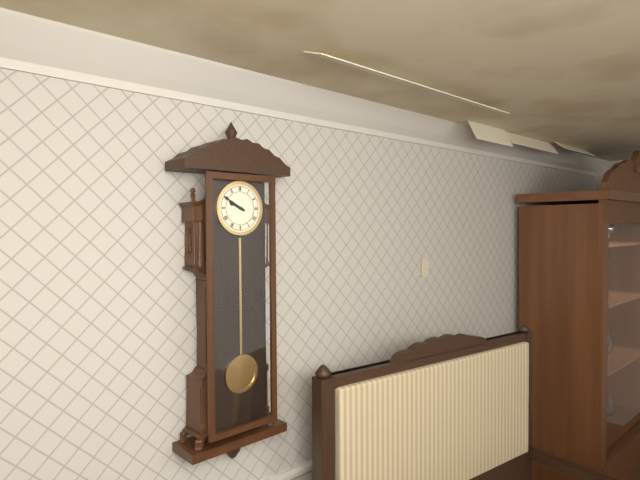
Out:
h=9 m=50
